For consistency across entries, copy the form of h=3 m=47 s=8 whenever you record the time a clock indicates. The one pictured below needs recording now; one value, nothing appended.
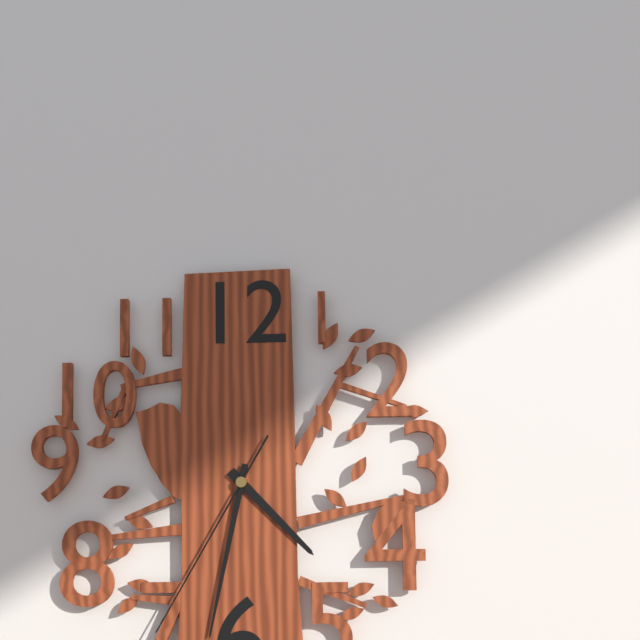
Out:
h=4 m=32 s=35
